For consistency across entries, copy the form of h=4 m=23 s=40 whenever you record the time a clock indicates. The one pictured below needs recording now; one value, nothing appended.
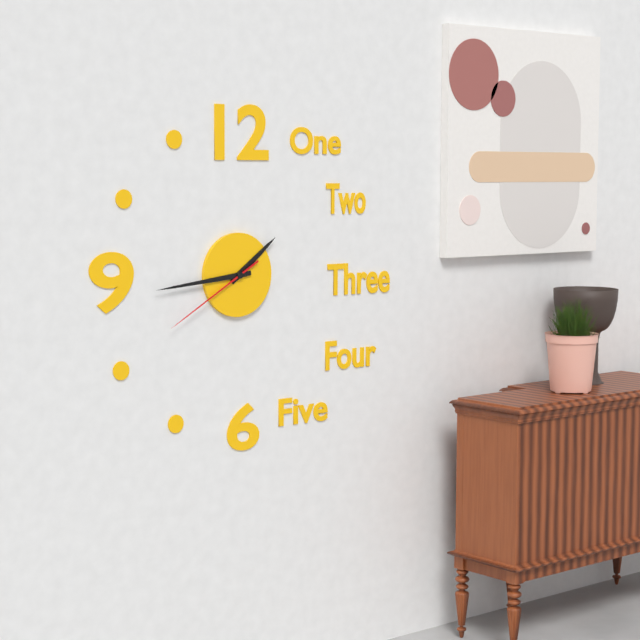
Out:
h=1 m=44 s=40
